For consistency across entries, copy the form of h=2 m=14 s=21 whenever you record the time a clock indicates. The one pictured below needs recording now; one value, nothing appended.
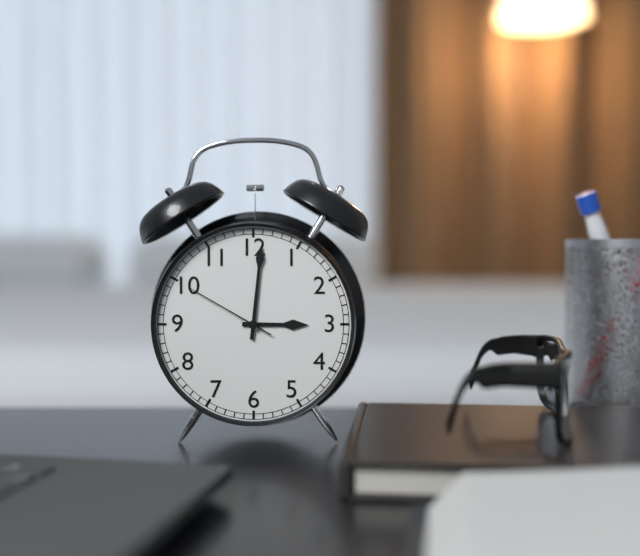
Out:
h=3 m=1 s=50
